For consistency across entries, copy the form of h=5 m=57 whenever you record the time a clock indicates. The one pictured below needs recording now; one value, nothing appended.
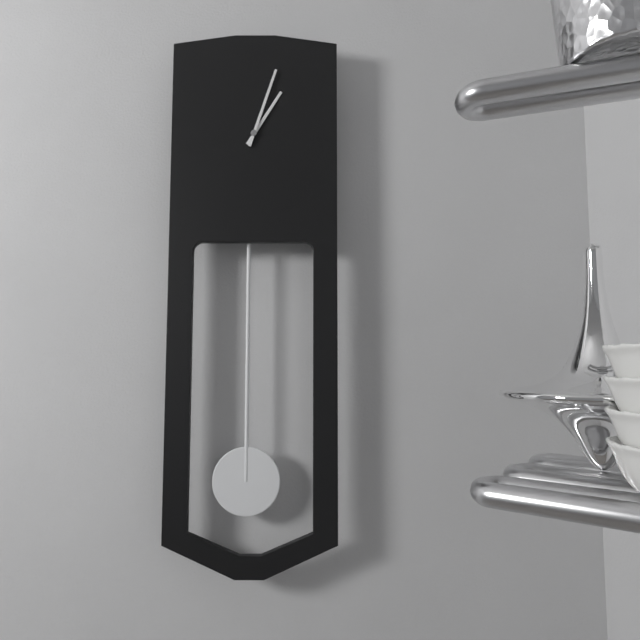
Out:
h=1 m=3
